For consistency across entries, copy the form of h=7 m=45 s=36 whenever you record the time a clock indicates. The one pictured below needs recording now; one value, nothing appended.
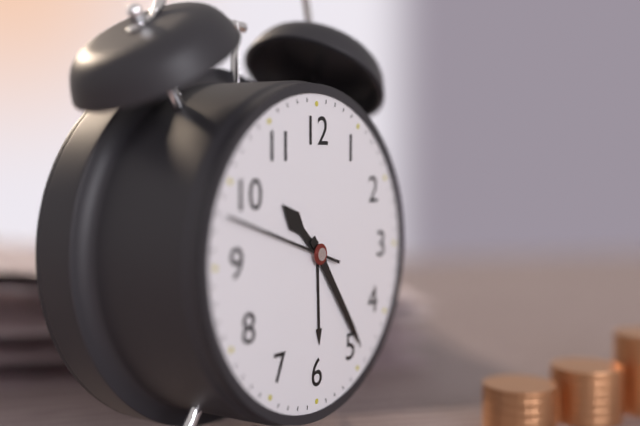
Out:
h=10 m=24 s=48
